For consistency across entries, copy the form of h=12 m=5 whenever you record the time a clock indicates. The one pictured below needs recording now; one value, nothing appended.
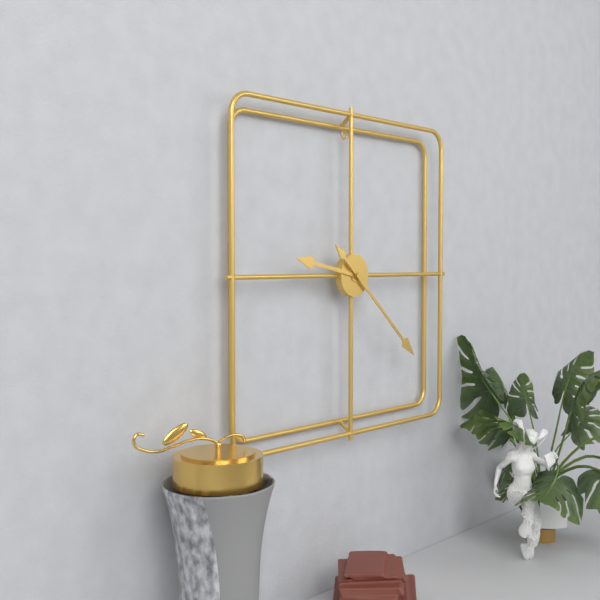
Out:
h=9 m=22
